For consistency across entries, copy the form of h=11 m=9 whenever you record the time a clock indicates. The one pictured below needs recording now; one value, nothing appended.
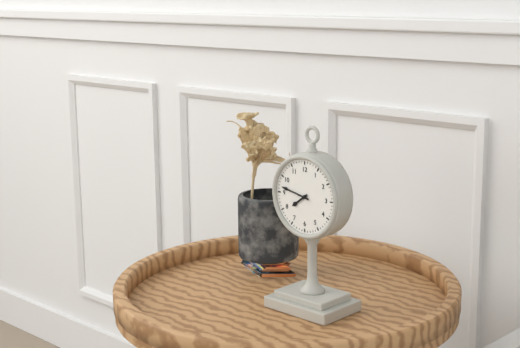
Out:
h=7 m=47
